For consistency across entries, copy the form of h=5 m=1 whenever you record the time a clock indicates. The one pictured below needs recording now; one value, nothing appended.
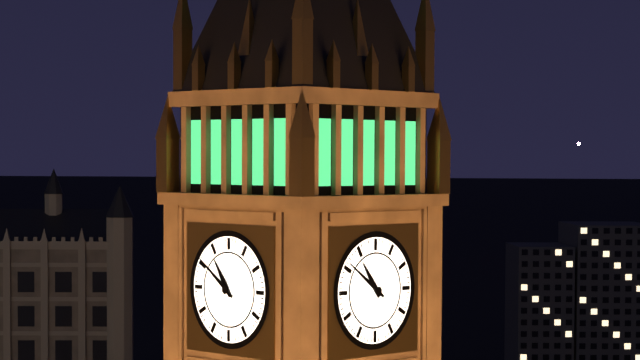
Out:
h=10 m=51
